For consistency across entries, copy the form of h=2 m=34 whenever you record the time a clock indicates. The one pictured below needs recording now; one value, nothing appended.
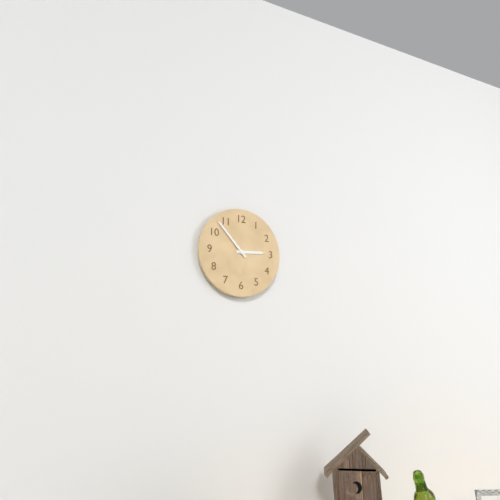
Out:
h=2 m=53
